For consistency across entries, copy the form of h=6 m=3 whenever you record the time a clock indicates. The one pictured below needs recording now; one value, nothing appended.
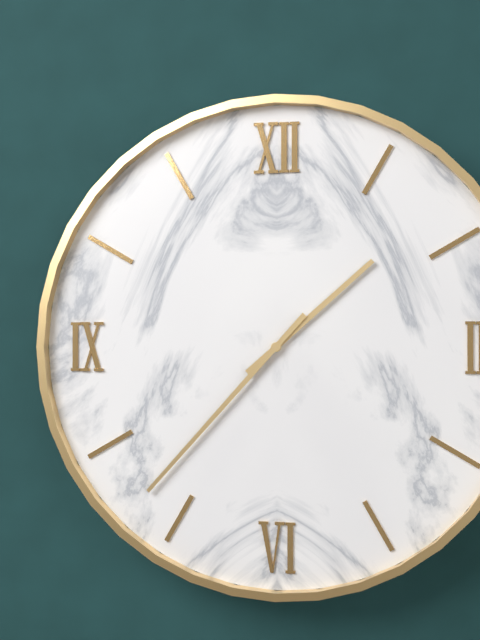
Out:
h=1 m=37
